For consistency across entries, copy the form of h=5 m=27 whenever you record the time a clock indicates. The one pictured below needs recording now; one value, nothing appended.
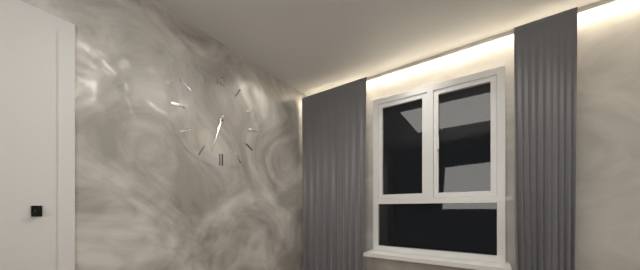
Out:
h=6 m=33
